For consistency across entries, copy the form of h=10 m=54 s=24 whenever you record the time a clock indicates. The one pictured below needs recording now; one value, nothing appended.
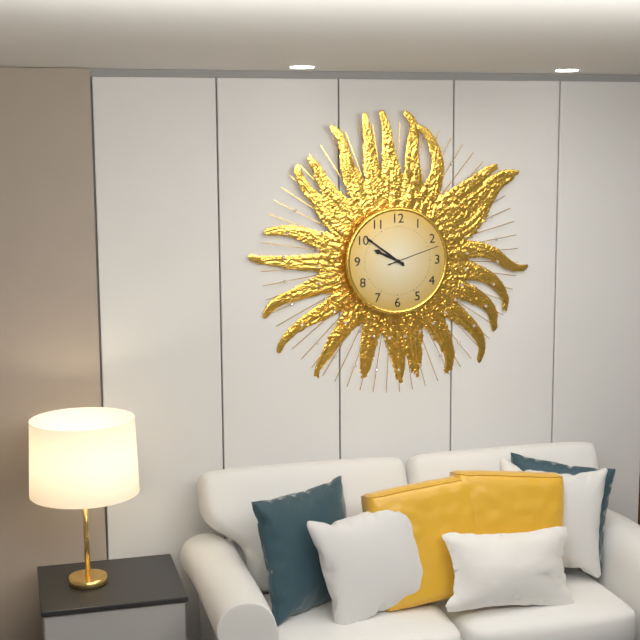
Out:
h=9 m=51 s=12
